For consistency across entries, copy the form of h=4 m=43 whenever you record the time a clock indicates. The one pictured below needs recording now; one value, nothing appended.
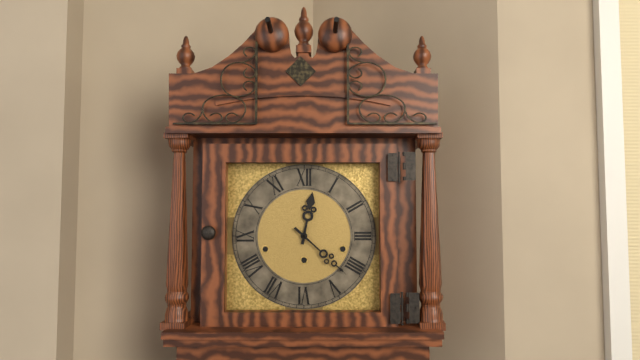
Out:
h=12 m=22
